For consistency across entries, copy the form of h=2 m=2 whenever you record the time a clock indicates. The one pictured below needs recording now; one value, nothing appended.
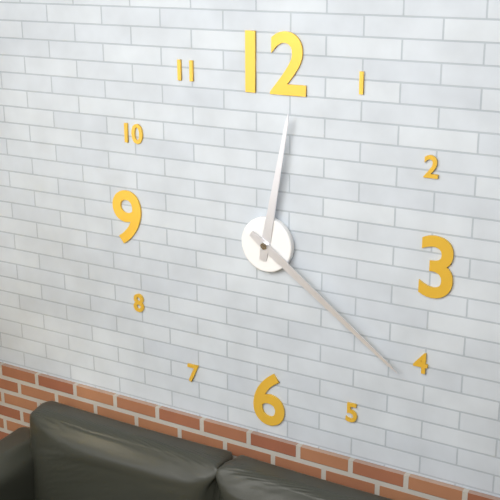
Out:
h=12 m=21
